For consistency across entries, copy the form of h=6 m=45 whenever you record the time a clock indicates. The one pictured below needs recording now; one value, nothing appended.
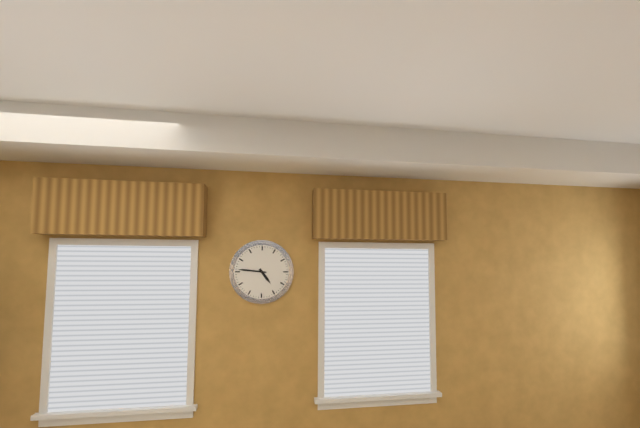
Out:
h=4 m=46
